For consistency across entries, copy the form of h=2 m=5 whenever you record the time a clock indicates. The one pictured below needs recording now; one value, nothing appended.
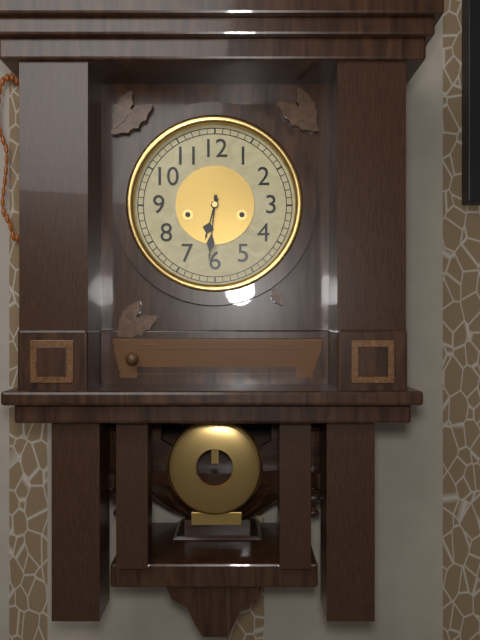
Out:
h=6 m=31
